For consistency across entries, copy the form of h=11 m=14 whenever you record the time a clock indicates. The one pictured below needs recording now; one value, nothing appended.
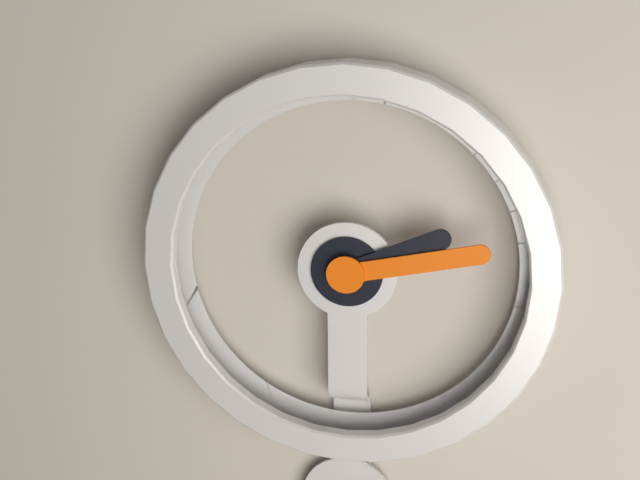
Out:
h=2 m=13
